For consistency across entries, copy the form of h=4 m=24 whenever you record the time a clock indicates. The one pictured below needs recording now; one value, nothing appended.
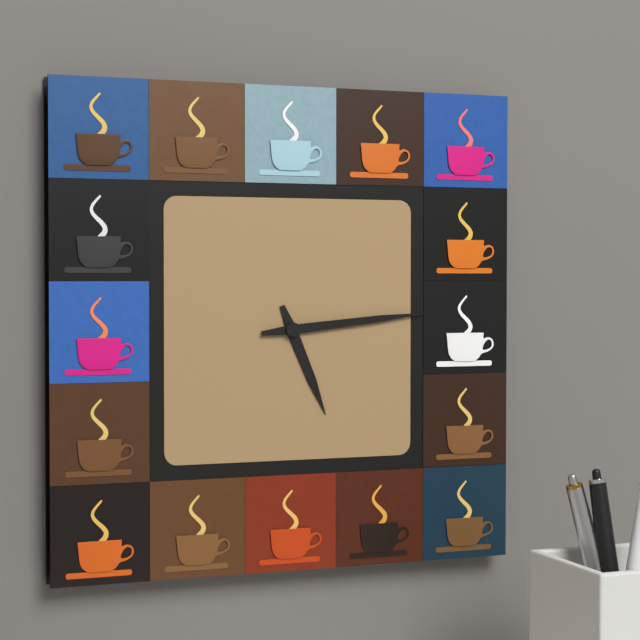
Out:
h=5 m=14
